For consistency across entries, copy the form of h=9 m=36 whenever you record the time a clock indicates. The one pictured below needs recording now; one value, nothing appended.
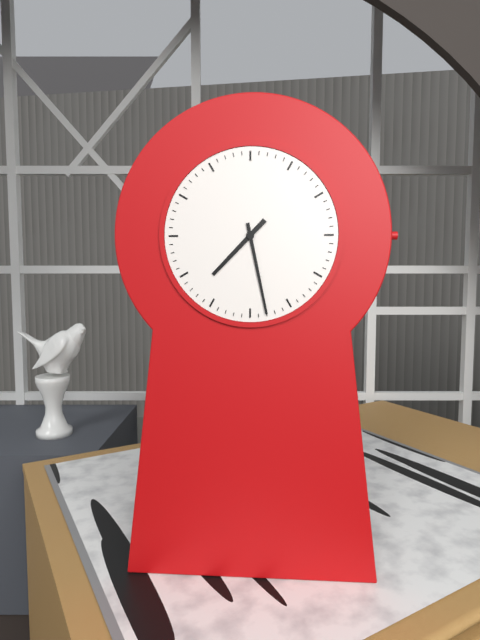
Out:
h=7 m=28
